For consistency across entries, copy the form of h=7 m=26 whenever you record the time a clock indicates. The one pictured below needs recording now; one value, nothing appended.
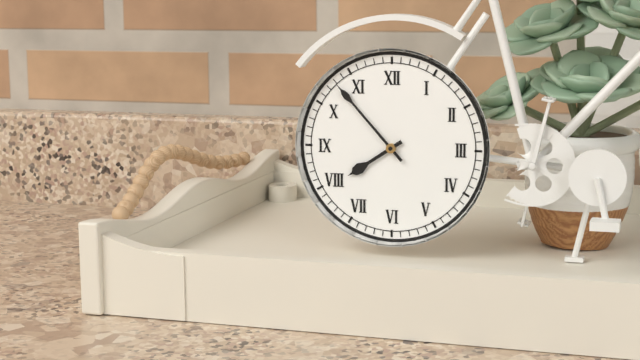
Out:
h=7 m=53
